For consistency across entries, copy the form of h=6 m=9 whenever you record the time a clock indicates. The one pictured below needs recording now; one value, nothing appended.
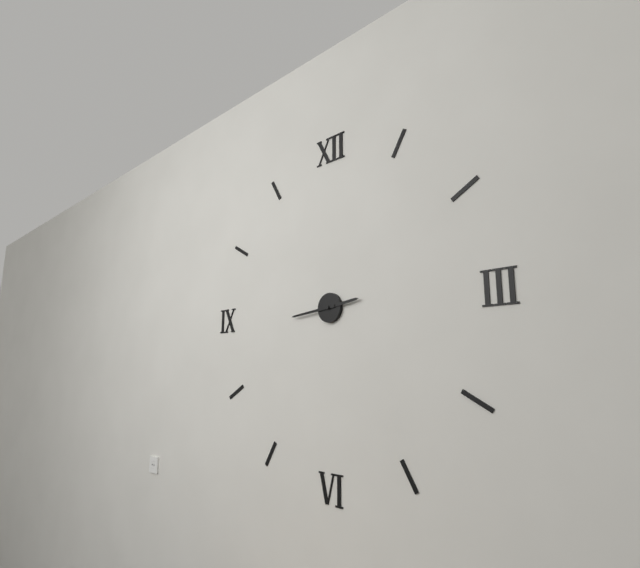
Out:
h=2 m=44
